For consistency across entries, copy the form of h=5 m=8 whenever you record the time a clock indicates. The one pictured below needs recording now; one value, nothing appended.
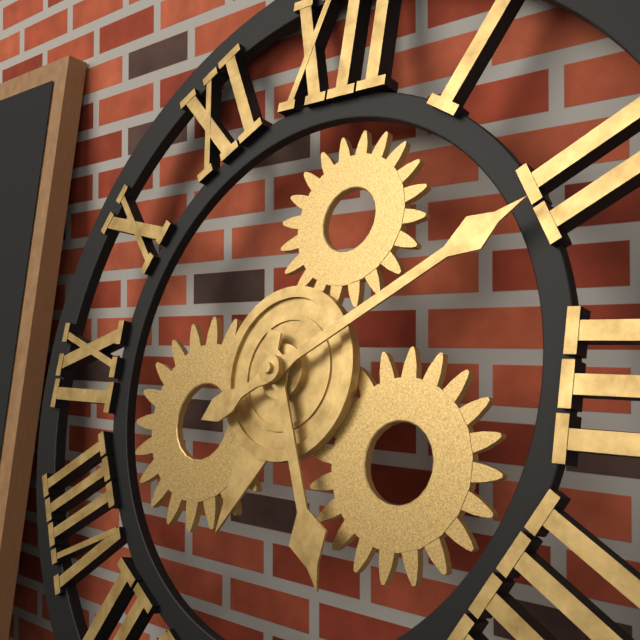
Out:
h=5 m=10
